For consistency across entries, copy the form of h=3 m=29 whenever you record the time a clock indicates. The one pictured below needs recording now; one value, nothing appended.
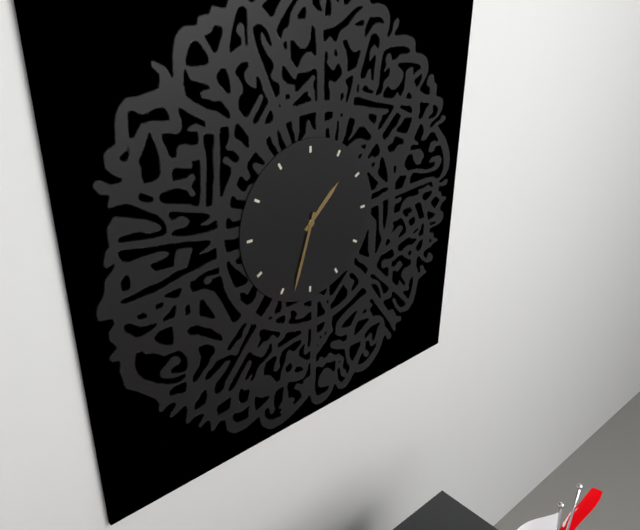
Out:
h=1 m=33
